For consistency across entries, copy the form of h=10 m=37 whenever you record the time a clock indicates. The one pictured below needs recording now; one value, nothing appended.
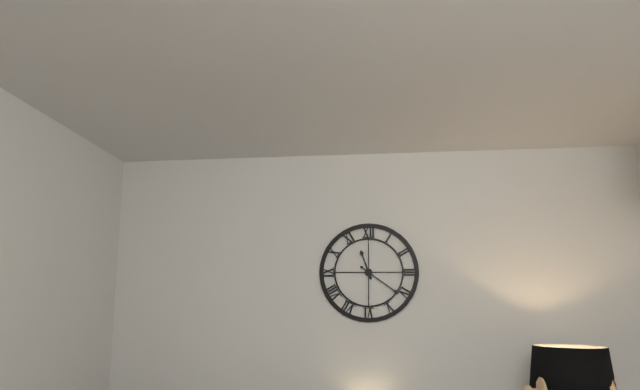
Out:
h=11 m=21
